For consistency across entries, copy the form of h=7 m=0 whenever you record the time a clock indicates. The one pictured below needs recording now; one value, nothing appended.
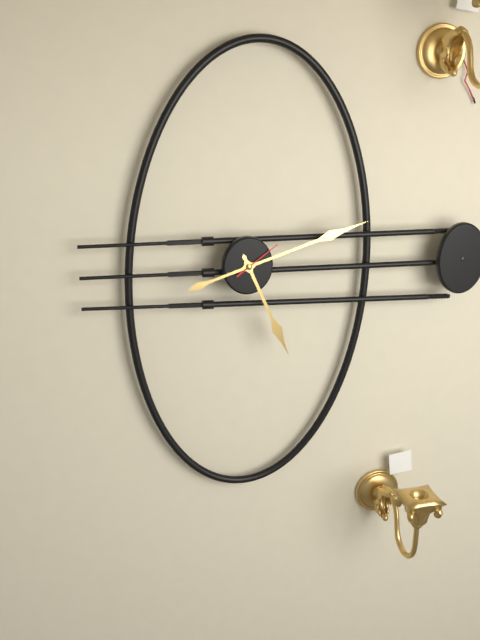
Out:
h=5 m=12
